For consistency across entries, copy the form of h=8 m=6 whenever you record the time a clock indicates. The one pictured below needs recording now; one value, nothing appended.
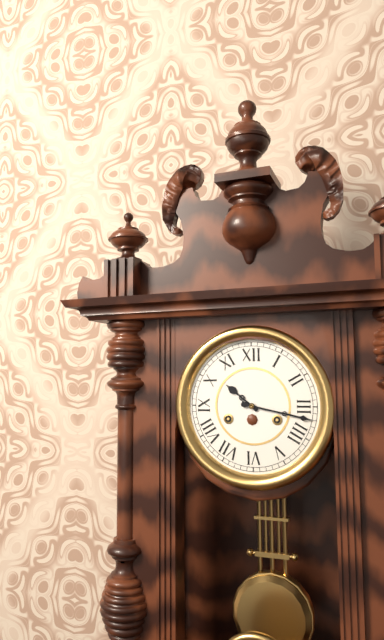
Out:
h=10 m=17
